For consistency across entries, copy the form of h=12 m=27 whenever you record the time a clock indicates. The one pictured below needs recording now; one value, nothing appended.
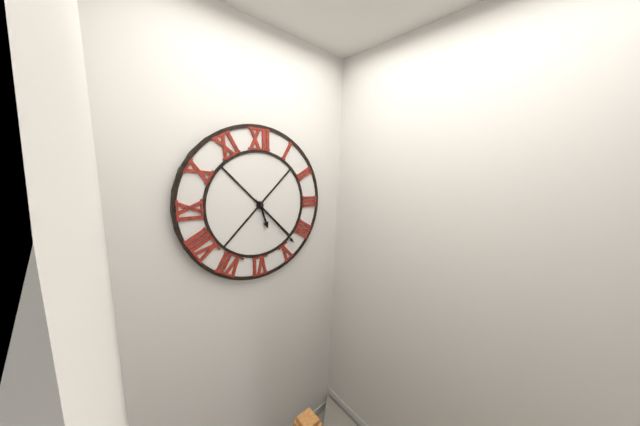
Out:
h=5 m=23
